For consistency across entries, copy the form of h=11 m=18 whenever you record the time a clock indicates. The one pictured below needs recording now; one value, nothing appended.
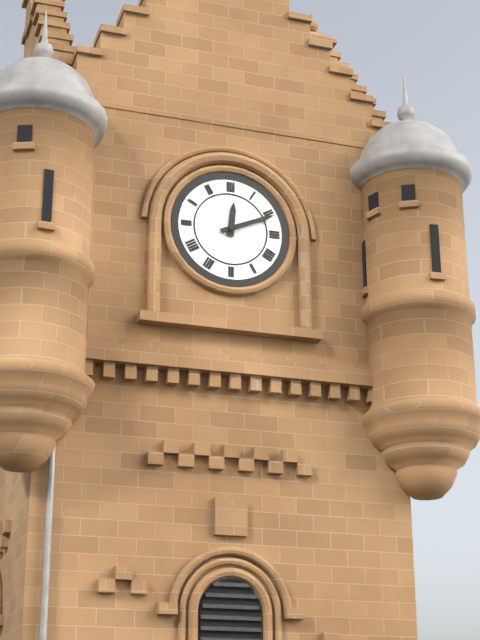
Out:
h=12 m=11
